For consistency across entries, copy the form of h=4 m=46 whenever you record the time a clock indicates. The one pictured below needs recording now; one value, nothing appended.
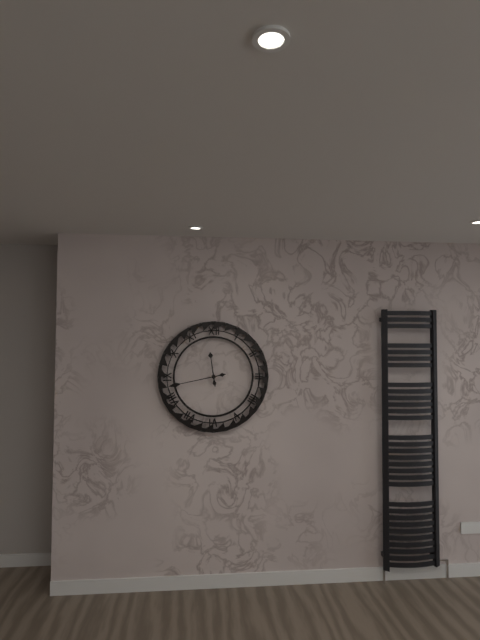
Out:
h=11 m=43
